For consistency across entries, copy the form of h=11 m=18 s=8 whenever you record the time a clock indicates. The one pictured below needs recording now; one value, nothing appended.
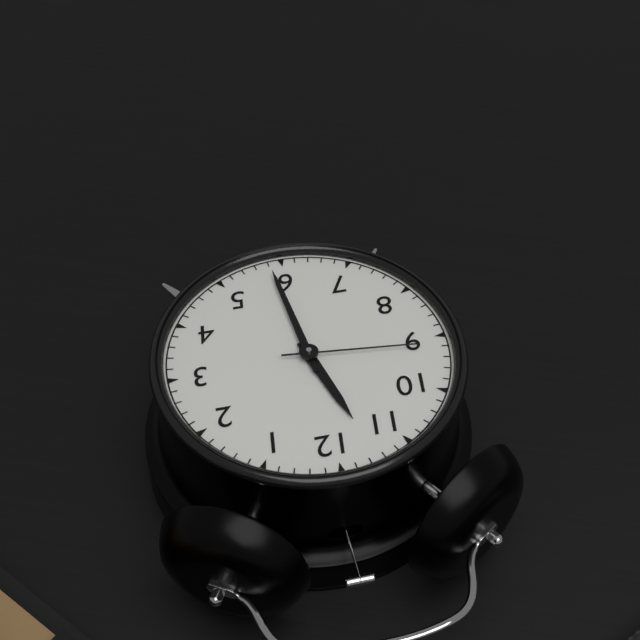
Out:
h=11 m=29 s=46
